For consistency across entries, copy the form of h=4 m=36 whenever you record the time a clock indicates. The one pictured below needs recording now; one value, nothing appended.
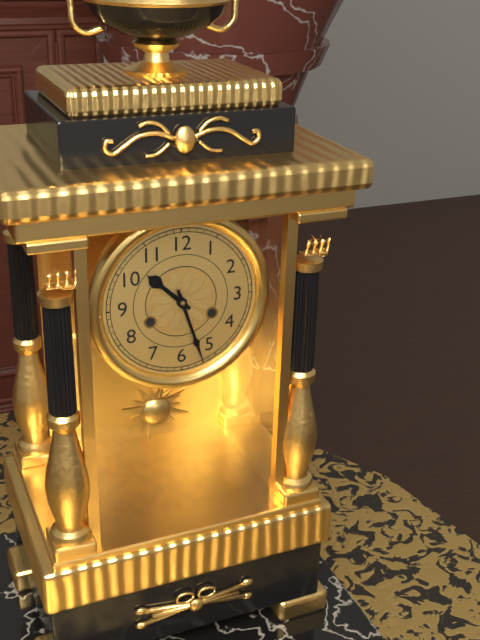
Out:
h=10 m=27
